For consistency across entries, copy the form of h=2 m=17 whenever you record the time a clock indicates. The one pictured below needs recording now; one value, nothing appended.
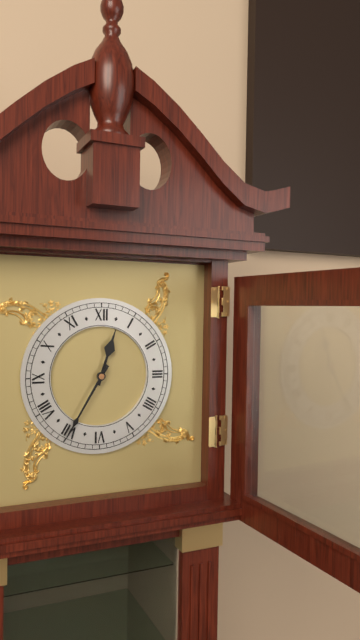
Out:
h=12 m=35
